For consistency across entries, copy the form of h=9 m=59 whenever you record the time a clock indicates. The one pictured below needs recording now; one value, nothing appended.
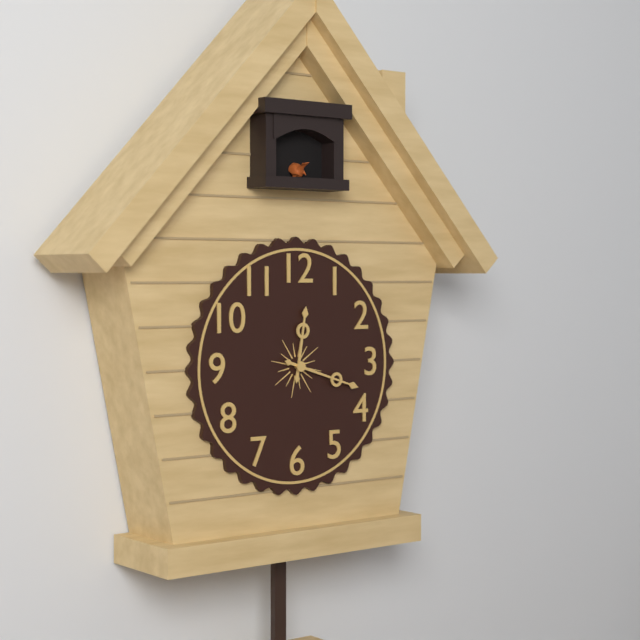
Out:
h=12 m=18
